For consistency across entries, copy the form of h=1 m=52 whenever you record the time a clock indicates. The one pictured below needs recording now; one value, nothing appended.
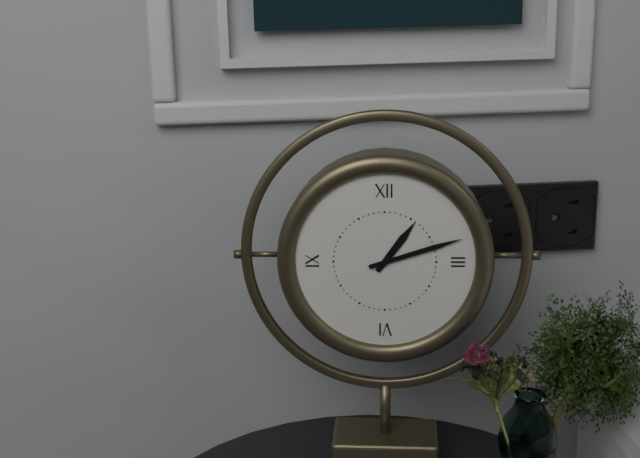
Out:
h=1 m=12
